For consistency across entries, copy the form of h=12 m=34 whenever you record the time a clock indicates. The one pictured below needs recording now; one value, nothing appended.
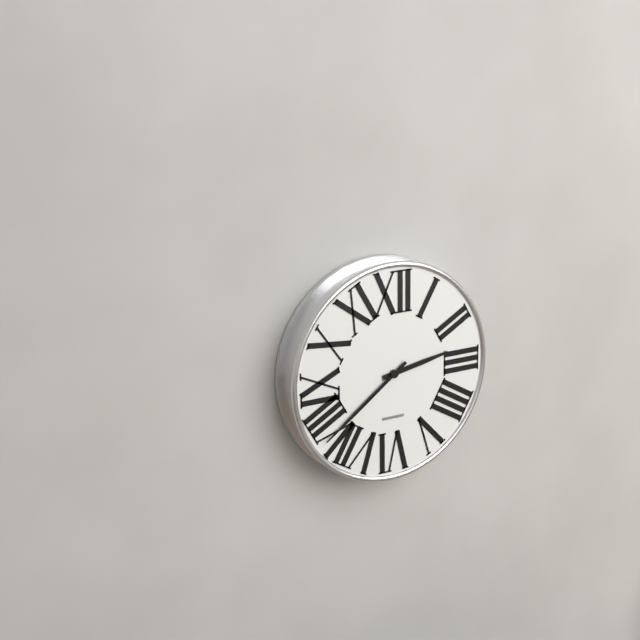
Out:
h=2 m=39
